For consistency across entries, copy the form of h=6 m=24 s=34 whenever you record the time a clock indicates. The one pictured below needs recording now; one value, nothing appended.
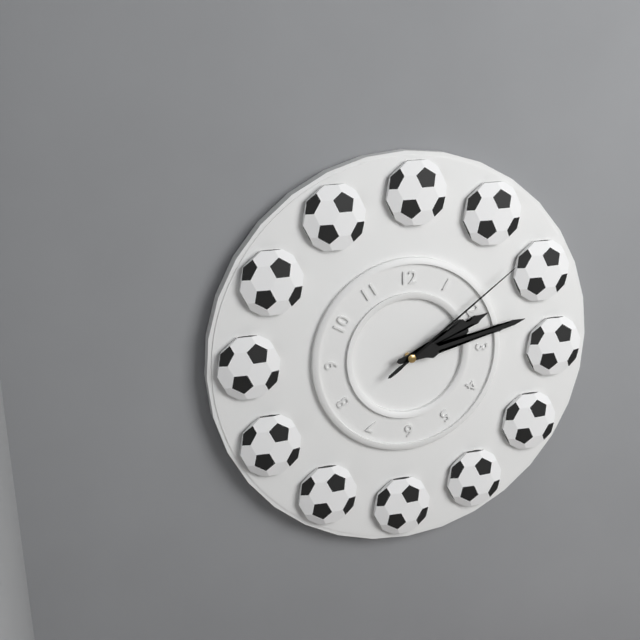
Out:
h=2 m=13 s=9
